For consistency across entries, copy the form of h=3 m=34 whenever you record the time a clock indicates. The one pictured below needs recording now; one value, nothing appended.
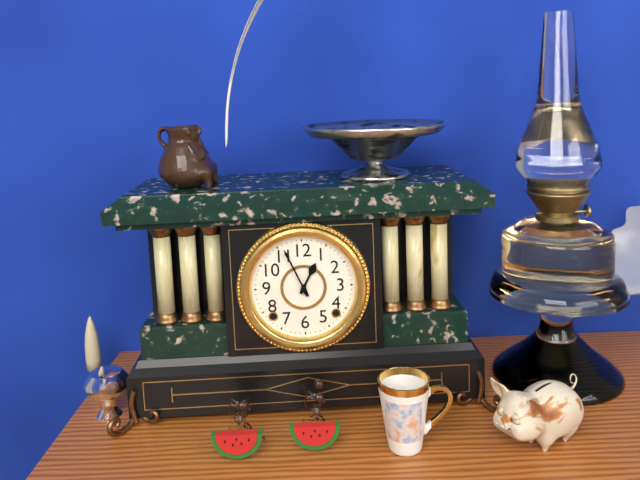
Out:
h=12 m=56
